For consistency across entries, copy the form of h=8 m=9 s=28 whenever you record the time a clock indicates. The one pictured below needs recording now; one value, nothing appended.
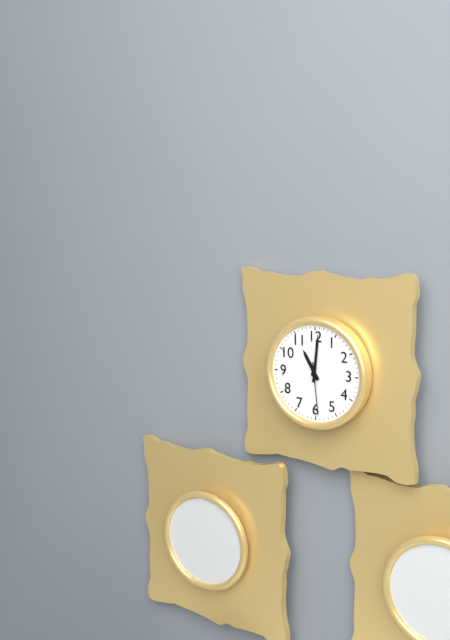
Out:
h=11 m=1 s=29
